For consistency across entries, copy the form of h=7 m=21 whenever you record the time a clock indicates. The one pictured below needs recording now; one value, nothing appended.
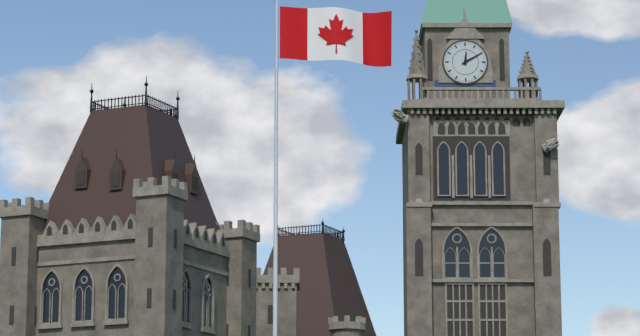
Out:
h=12 m=10
